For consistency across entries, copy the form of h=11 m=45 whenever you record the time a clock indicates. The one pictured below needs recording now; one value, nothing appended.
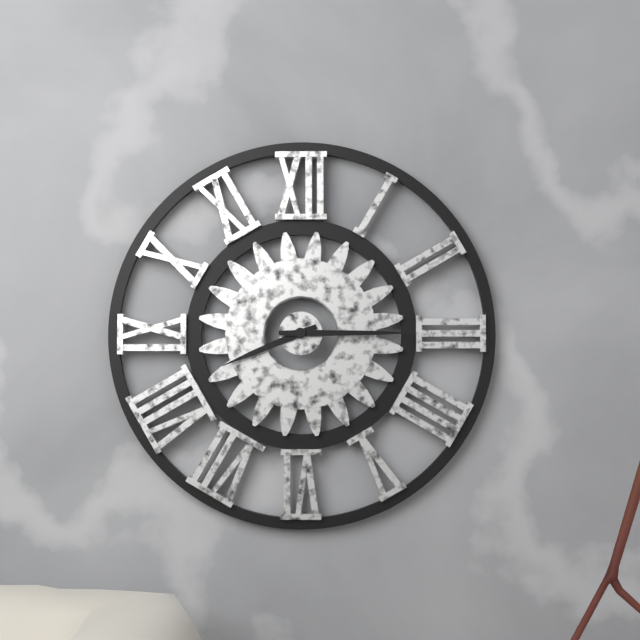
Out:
h=8 m=15
